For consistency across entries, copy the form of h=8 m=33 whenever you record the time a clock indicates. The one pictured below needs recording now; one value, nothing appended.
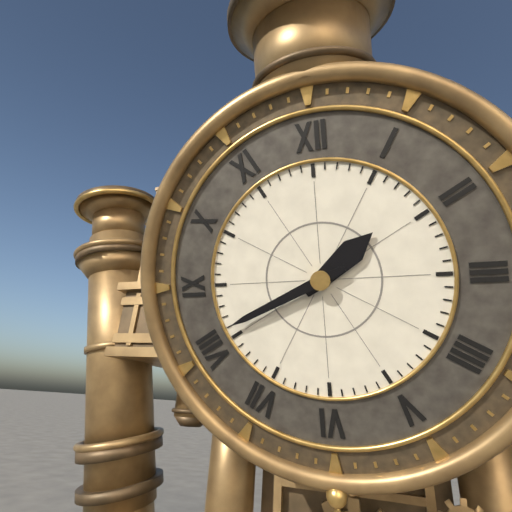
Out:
h=1 m=41
